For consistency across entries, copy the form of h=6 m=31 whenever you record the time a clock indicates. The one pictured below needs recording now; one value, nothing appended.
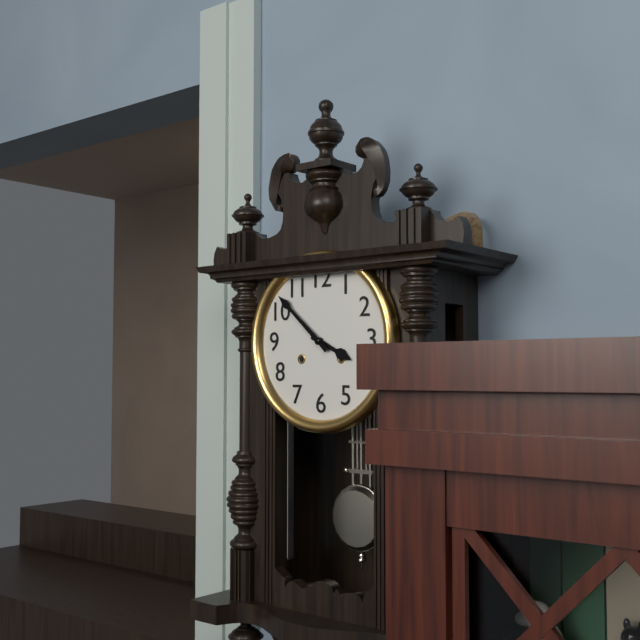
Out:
h=3 m=52
